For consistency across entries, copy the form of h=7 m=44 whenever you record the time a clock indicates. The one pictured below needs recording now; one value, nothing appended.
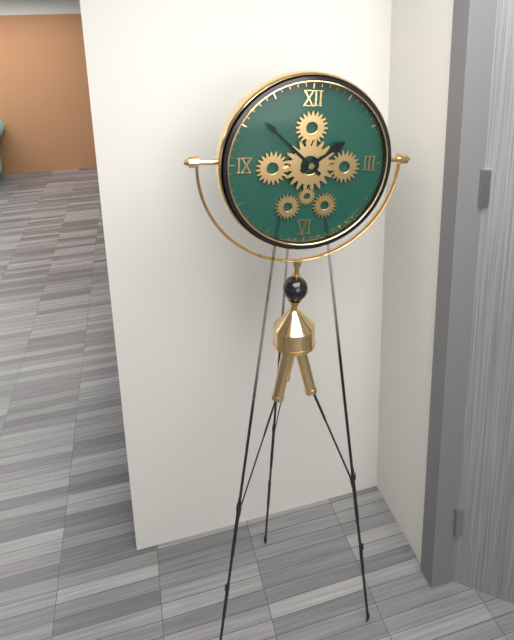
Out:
h=1 m=52
